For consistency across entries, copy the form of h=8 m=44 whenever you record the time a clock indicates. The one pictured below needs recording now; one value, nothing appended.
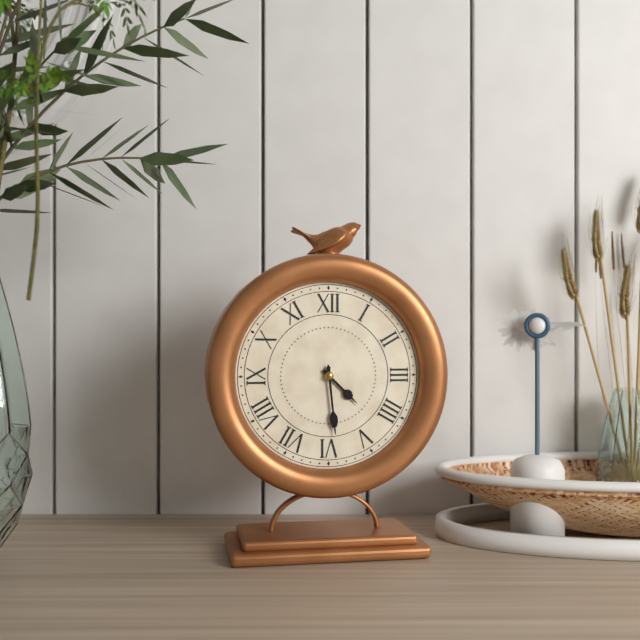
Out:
h=4 m=29
